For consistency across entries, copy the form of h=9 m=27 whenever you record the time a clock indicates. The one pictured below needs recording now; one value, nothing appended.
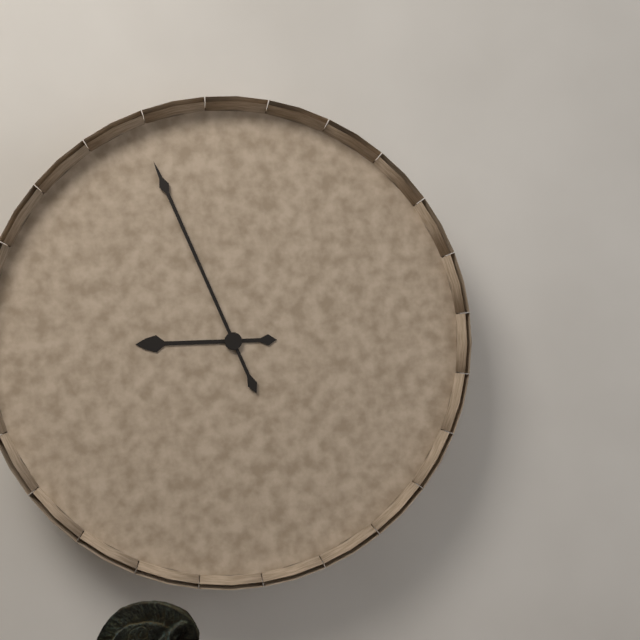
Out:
h=8 m=56
